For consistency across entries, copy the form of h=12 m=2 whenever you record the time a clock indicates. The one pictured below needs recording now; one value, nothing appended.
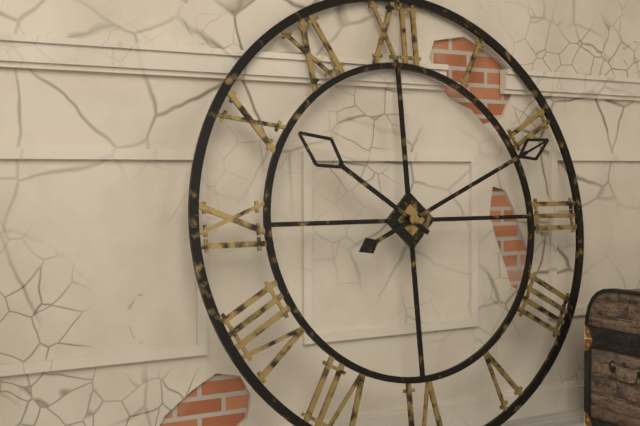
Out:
h=10 m=11
